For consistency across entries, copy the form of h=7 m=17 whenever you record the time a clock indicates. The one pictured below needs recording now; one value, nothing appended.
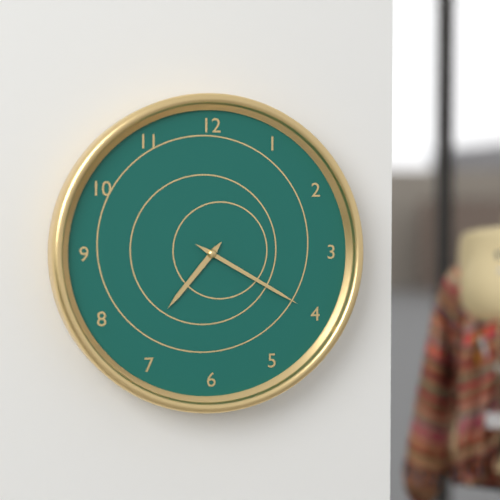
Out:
h=7 m=20
